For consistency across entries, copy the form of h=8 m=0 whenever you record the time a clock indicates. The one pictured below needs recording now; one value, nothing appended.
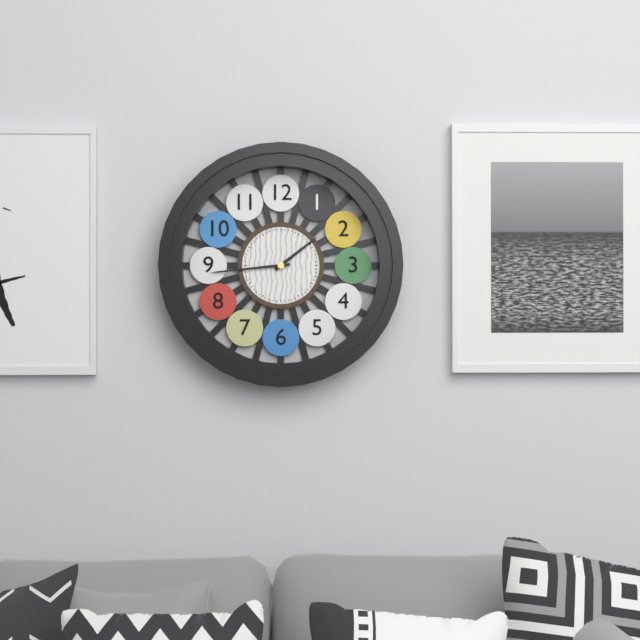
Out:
h=1 m=44
